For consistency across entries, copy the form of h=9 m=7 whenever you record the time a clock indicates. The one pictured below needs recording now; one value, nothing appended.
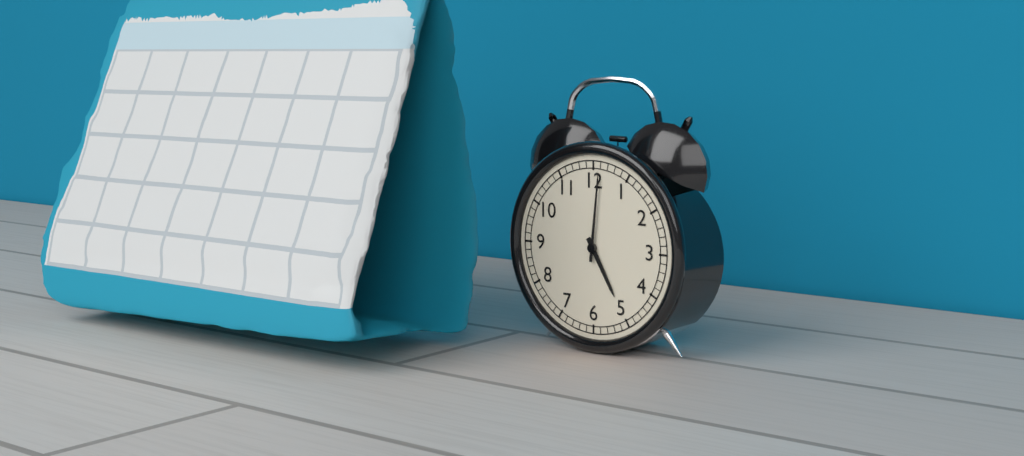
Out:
h=5 m=1
